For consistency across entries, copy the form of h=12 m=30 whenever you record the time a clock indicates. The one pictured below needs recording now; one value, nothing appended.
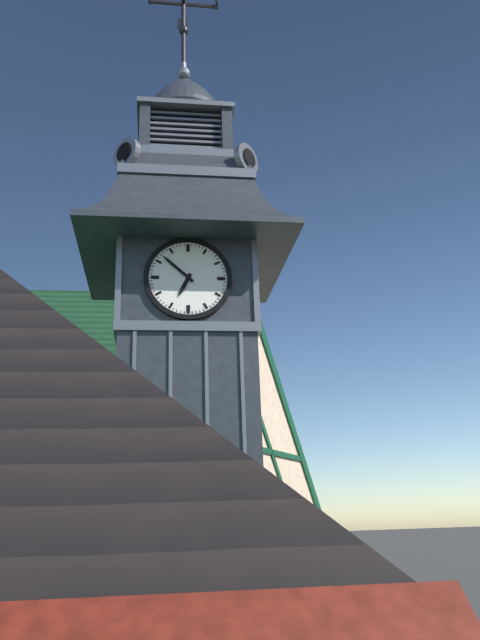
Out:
h=6 m=52
